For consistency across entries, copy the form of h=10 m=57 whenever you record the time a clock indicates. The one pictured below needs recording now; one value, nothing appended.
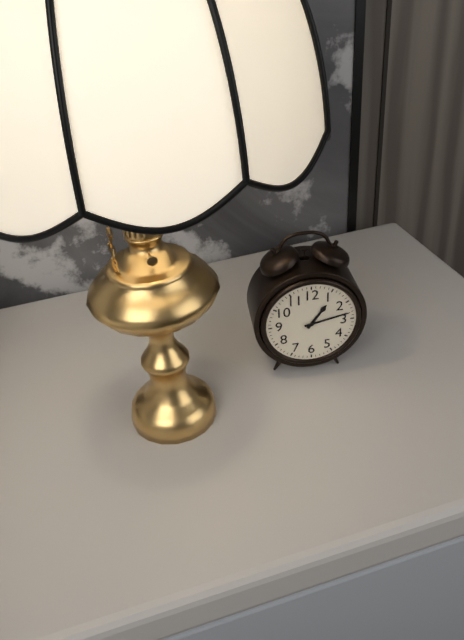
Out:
h=1 m=13
